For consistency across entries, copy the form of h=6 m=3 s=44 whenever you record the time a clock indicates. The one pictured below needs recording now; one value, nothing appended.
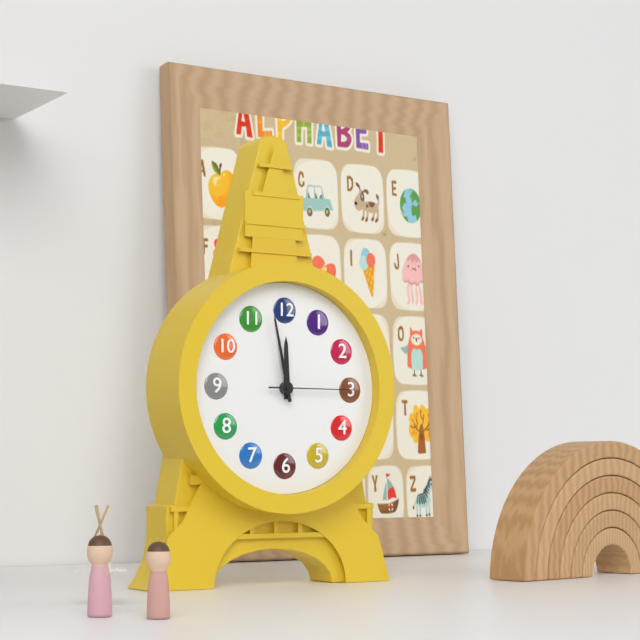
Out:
h=11 m=58 s=15
